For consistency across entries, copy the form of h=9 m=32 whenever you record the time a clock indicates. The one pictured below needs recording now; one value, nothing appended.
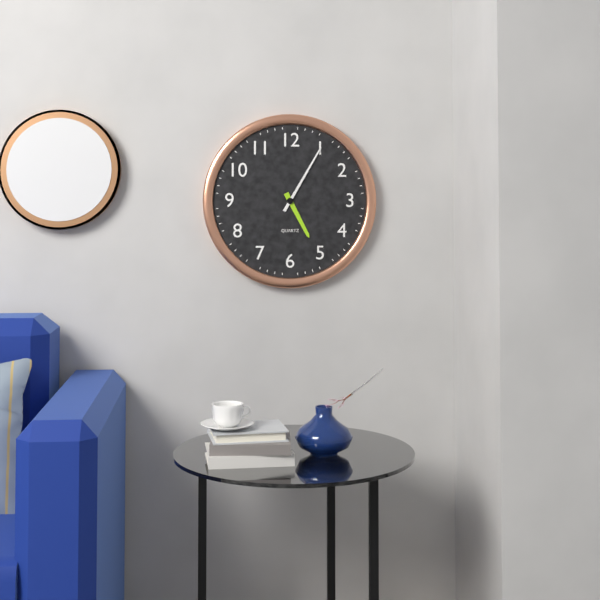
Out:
h=5 m=5
